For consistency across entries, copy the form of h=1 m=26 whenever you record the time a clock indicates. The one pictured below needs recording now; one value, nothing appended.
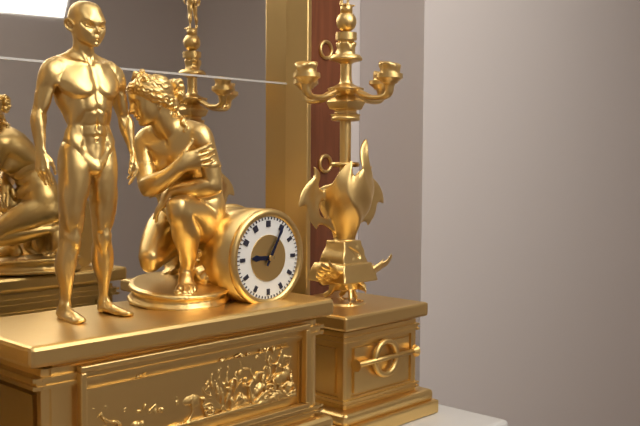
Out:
h=9 m=5
